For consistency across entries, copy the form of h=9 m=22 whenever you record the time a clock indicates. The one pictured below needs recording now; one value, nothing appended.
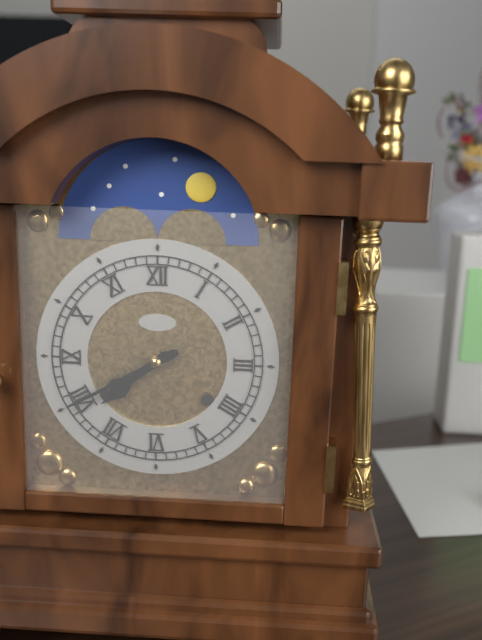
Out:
h=7 m=40
